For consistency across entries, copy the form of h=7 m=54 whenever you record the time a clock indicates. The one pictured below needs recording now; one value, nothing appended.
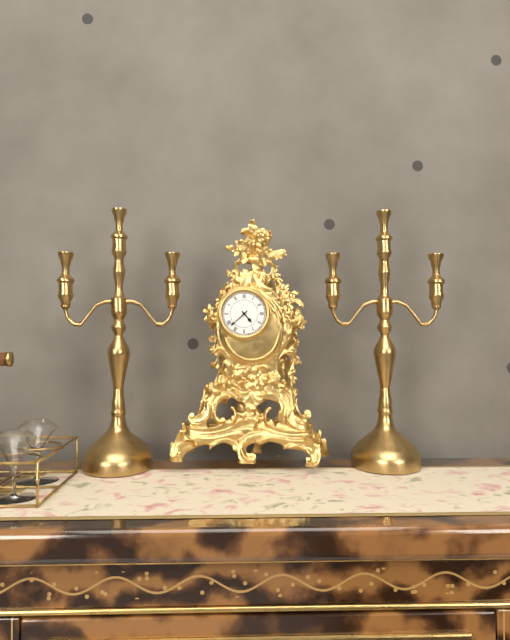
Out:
h=4 m=38
